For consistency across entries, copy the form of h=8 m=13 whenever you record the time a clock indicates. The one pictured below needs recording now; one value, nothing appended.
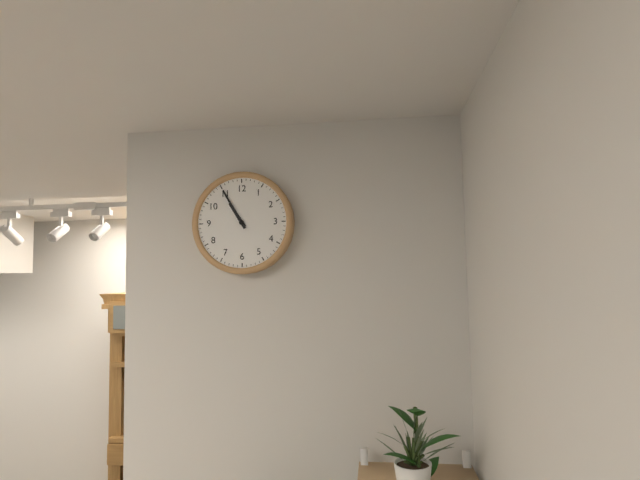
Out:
h=10 m=55
